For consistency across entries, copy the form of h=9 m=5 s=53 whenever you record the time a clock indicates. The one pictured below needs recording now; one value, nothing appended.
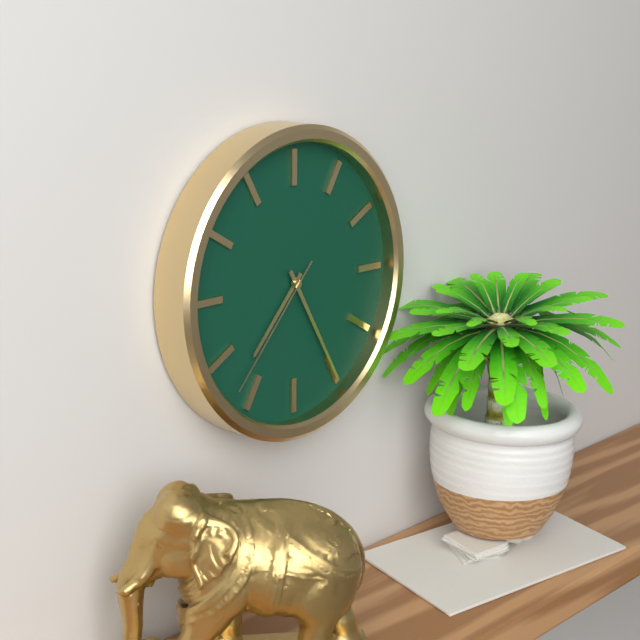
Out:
h=7 m=25 s=37
